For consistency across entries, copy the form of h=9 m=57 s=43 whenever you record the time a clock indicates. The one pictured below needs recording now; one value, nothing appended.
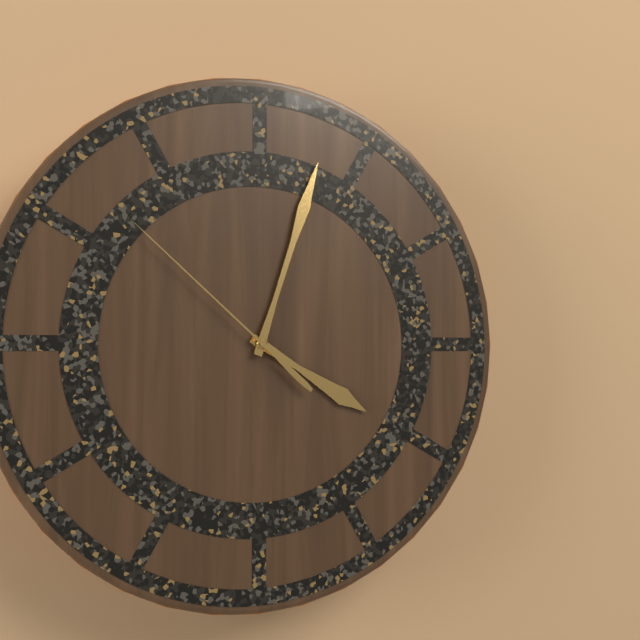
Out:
h=4 m=3 s=52
